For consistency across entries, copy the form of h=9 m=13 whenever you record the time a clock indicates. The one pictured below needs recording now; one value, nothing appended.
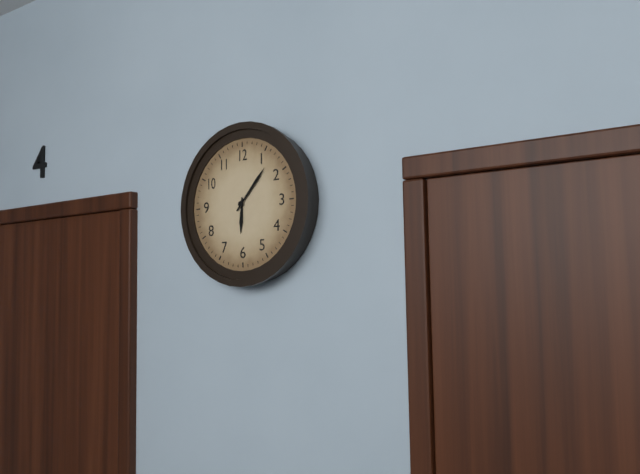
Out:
h=6 m=7
